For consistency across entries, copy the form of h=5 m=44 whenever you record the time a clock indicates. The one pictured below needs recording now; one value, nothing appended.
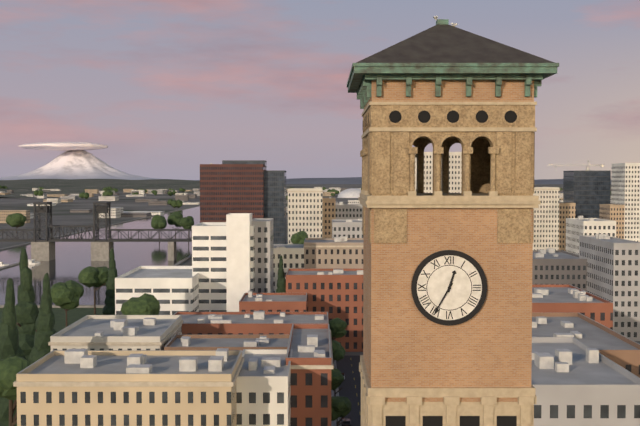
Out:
h=12 m=35
